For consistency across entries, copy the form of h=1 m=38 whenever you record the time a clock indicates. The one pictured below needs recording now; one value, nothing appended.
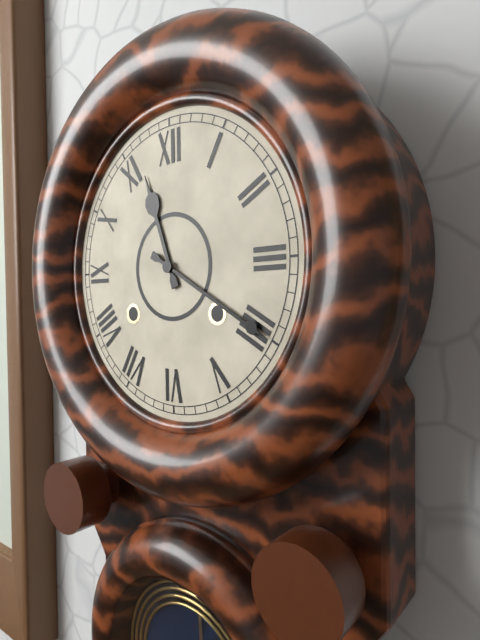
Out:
h=11 m=20
